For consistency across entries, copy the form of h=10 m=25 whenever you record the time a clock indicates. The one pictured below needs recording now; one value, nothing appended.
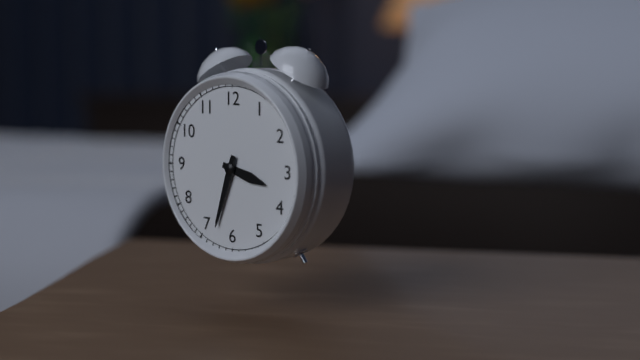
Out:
h=3 m=33
